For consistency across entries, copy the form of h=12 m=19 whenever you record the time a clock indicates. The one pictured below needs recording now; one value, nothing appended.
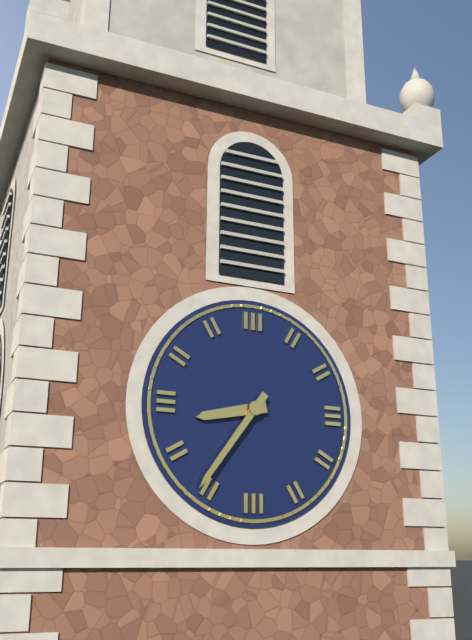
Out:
h=8 m=36
